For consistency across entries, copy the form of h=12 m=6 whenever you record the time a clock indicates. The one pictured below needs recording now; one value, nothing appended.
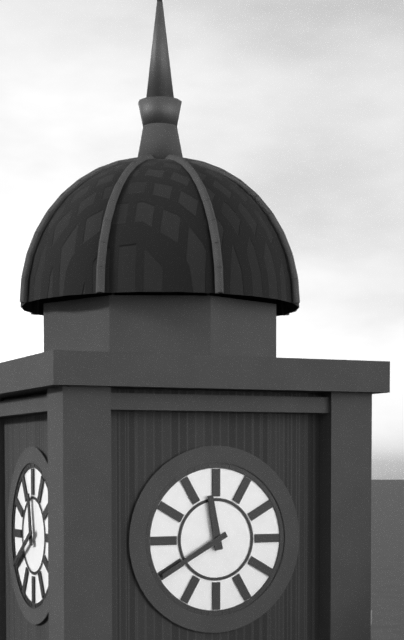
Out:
h=11 m=40
